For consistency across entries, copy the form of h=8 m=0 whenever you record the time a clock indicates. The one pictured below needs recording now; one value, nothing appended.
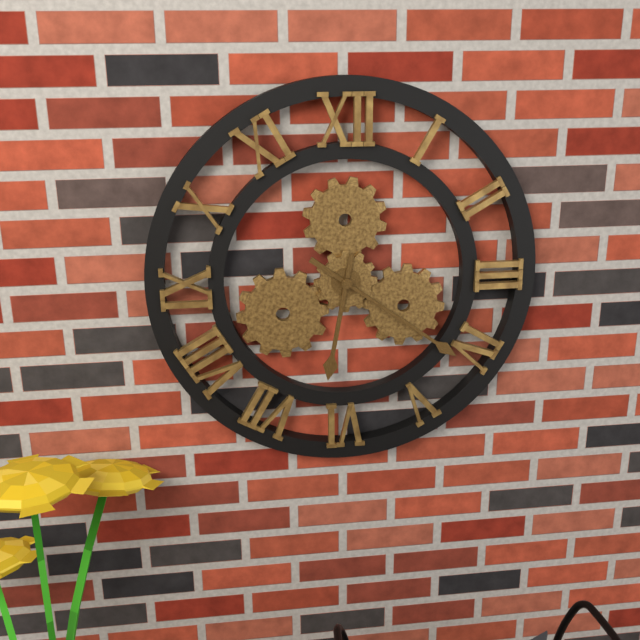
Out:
h=6 m=21
